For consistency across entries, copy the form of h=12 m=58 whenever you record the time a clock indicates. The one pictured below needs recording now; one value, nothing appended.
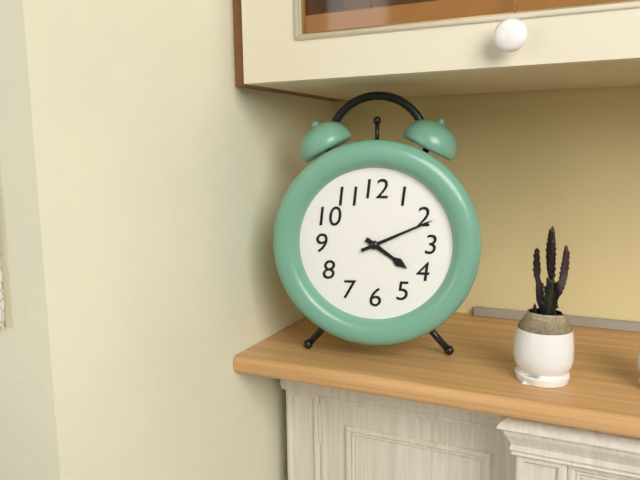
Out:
h=4 m=11
